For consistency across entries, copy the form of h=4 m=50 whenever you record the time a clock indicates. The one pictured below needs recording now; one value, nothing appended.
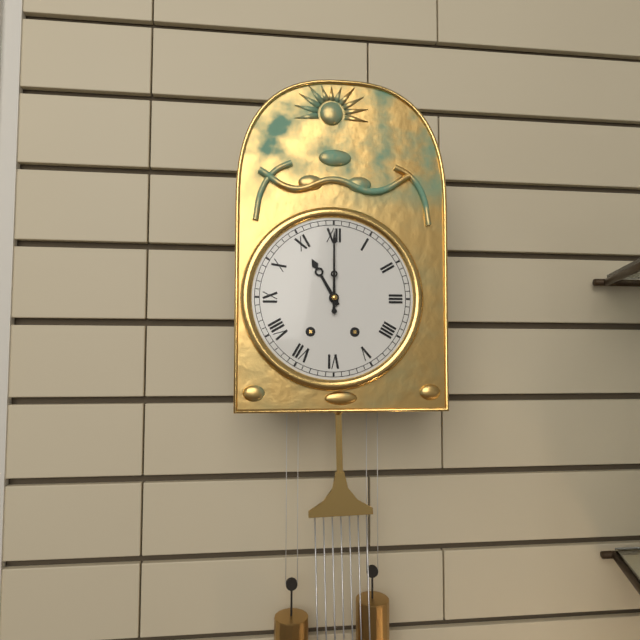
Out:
h=11 m=0
